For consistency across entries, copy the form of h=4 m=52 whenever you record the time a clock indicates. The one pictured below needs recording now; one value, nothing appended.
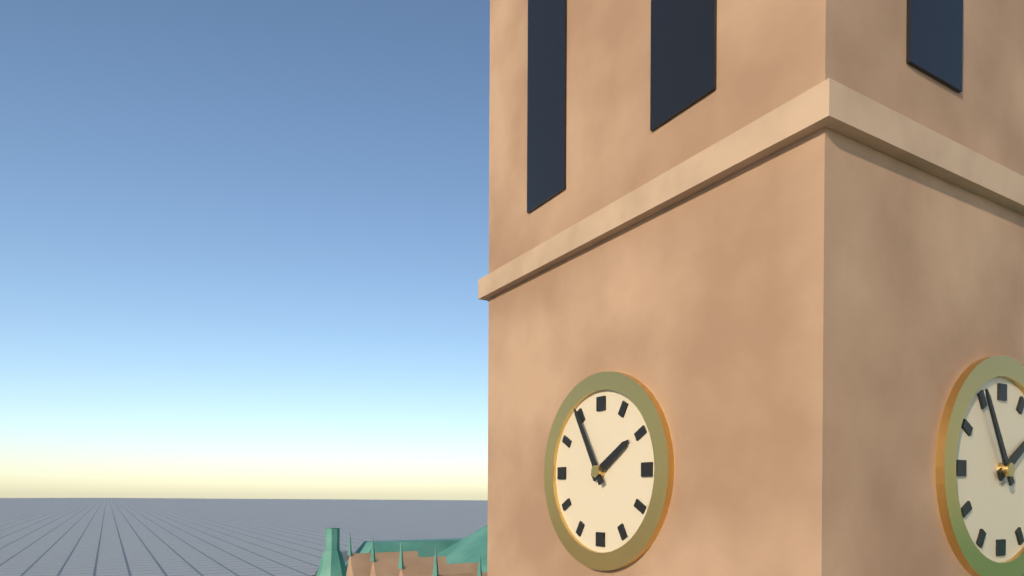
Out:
h=1 m=55
